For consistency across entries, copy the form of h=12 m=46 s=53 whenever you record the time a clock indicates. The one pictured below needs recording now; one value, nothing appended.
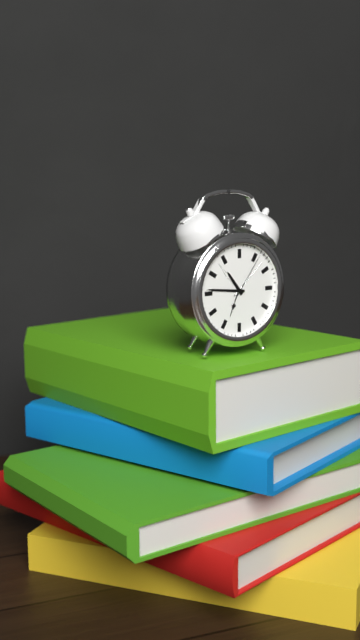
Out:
h=10 m=46 s=6
